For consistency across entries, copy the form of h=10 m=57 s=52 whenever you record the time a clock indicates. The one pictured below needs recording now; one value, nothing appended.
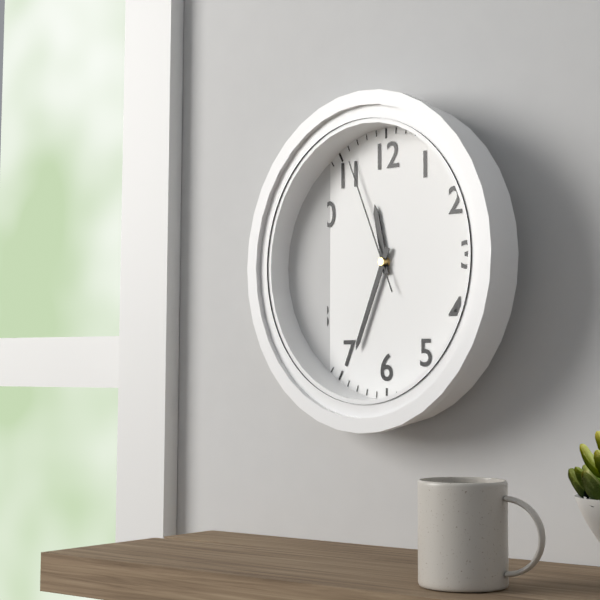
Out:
h=11 m=34 s=56
